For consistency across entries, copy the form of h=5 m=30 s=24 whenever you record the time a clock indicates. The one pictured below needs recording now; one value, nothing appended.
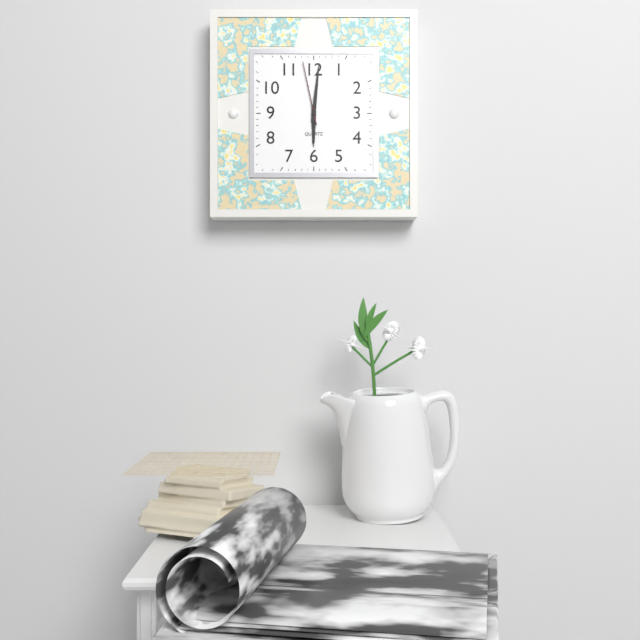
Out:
h=6 m=1 s=58
